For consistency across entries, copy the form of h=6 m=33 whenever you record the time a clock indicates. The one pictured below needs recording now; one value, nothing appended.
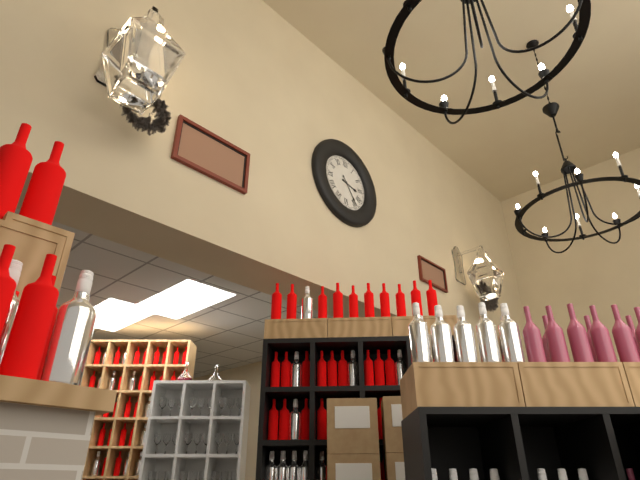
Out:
h=3 m=24
